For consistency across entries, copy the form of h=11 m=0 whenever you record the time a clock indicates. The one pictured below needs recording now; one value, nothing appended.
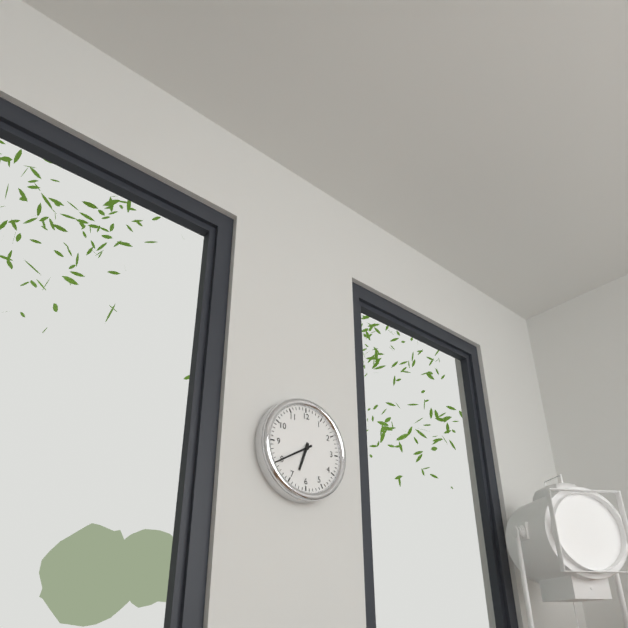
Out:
h=6 m=40
